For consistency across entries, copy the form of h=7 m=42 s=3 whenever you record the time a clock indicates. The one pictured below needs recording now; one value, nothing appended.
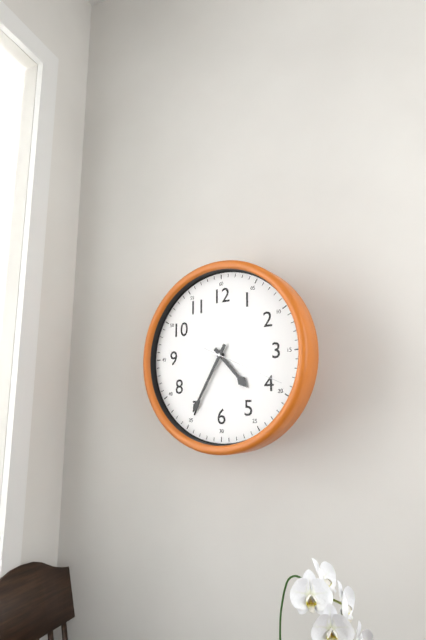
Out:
h=4 m=35 s=19
